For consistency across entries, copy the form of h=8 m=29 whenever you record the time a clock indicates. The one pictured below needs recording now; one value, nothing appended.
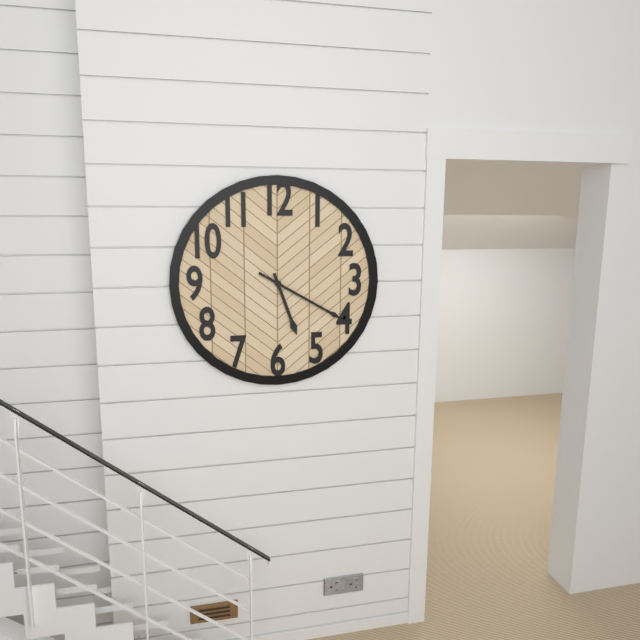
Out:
h=5 m=20
